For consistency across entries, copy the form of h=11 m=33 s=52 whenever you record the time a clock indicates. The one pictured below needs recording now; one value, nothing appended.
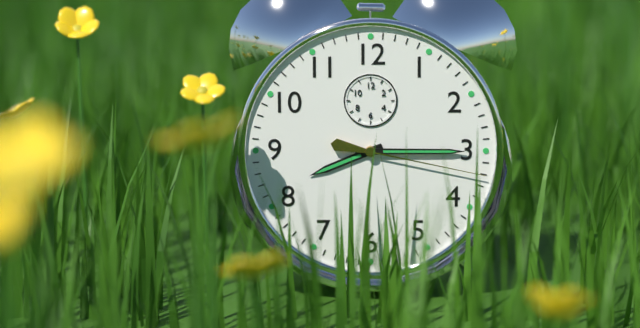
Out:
h=8 m=15 s=17
